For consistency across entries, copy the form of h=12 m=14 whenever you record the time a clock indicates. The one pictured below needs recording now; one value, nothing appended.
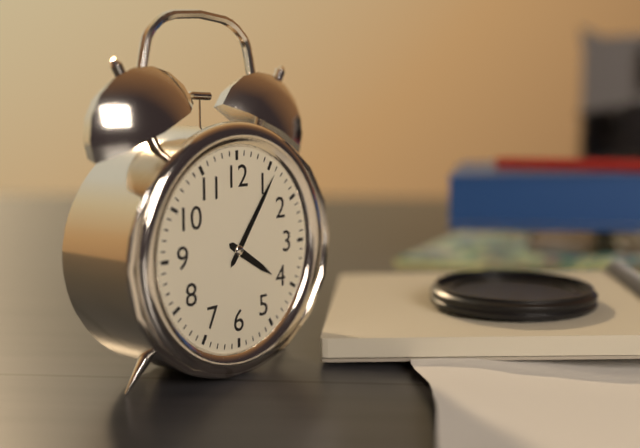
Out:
h=4 m=6
